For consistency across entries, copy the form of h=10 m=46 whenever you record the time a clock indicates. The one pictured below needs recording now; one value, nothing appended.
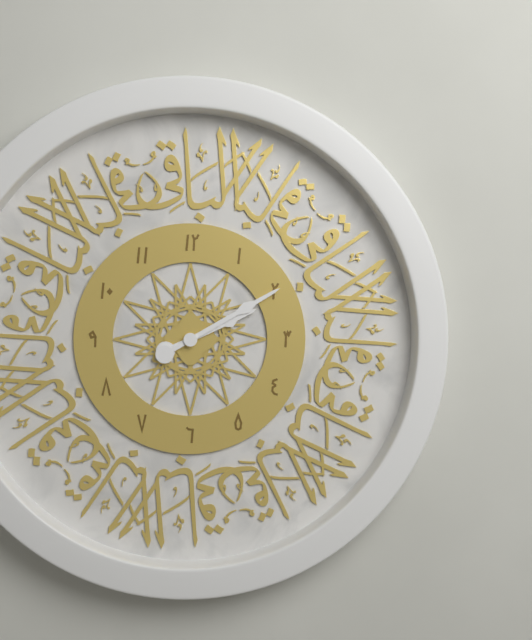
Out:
h=2 m=10
